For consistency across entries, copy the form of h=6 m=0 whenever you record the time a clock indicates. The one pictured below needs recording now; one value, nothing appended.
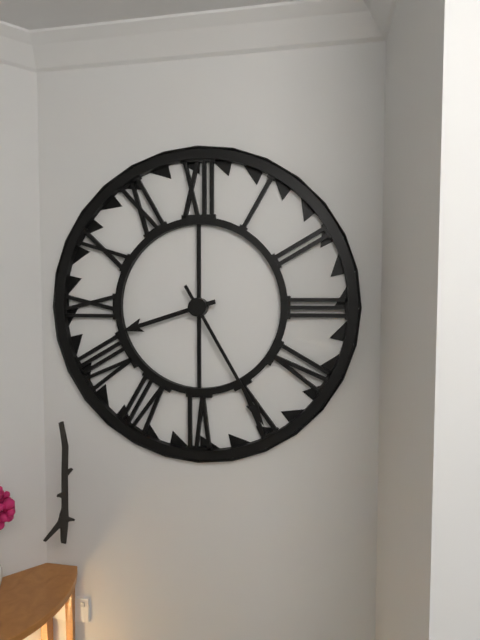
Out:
h=8 m=25
